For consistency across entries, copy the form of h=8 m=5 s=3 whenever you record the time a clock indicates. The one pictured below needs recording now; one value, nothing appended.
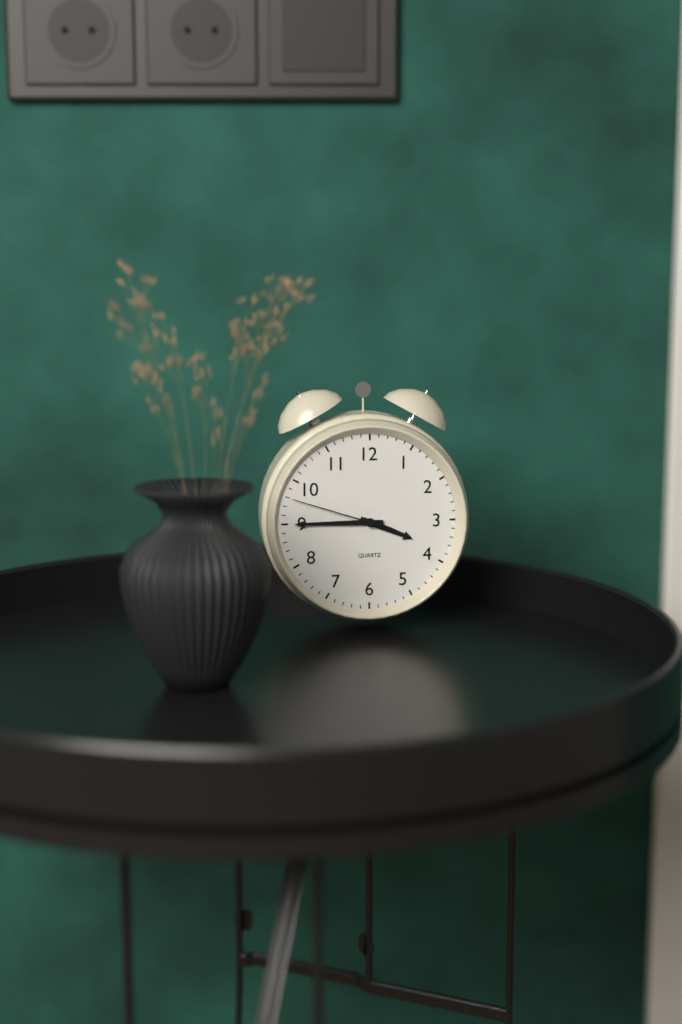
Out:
h=3 m=45 s=48
